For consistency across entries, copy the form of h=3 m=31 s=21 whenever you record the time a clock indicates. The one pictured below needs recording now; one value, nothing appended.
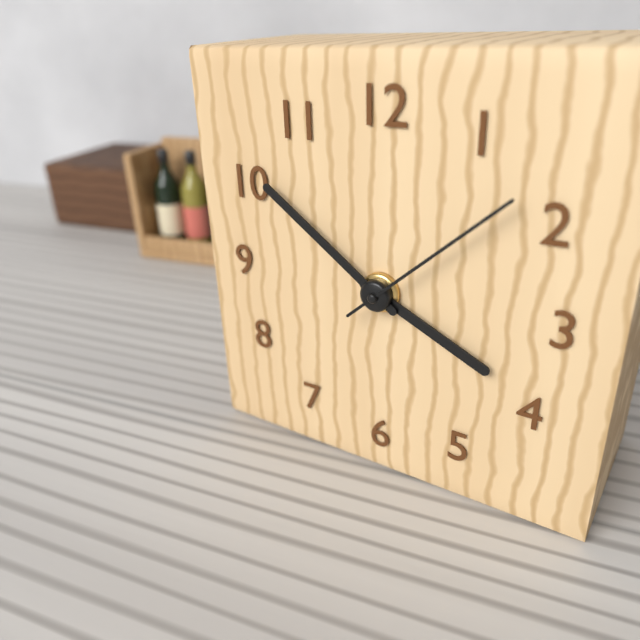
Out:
h=3 m=51 s=8
